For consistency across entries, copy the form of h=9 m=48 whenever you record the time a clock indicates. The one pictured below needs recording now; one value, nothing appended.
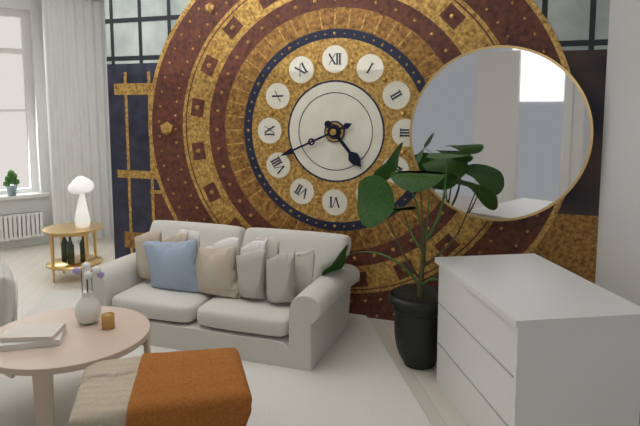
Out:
h=4 m=41
